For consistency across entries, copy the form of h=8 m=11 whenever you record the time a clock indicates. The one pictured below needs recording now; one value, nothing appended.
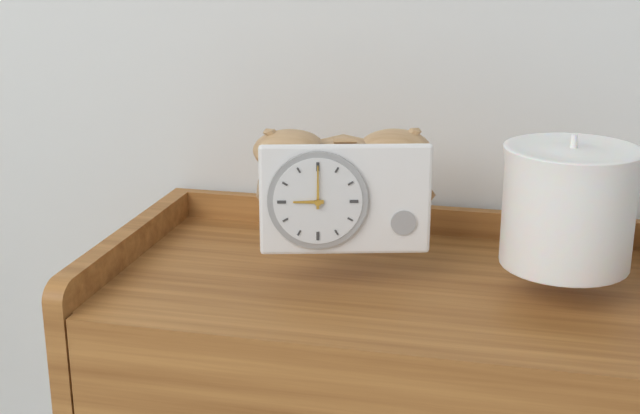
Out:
h=9 m=0
